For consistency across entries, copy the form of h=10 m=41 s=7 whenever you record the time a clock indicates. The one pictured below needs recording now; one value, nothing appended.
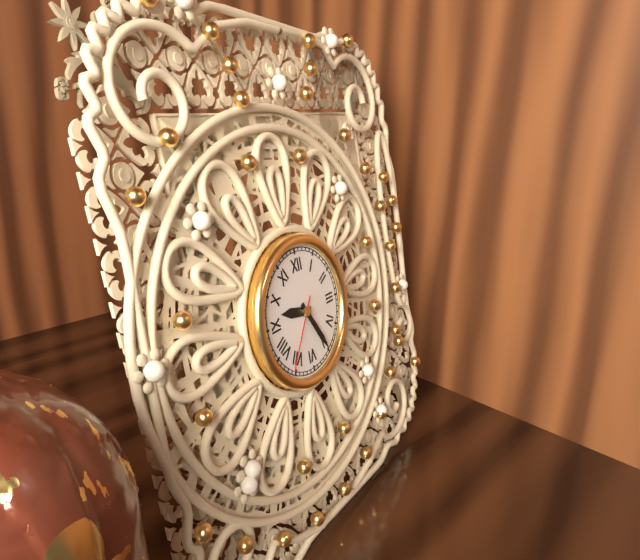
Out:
h=9 m=25 s=36
